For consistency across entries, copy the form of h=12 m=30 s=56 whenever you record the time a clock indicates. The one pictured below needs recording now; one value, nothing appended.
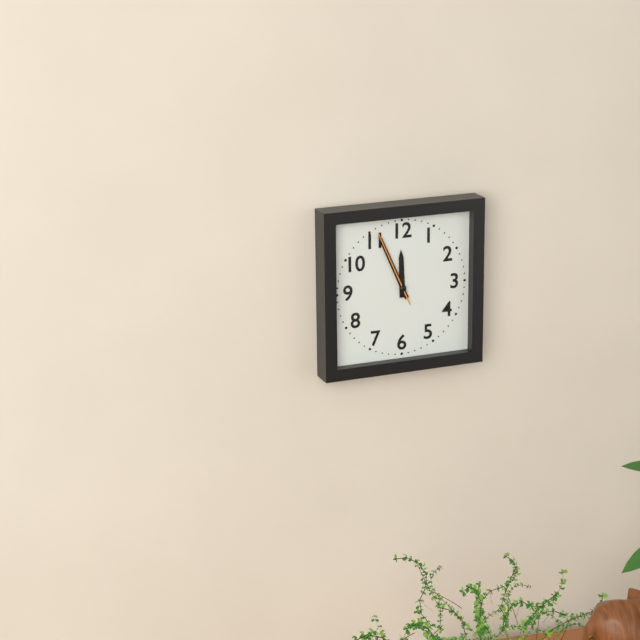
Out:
h=11 m=56 s=56
